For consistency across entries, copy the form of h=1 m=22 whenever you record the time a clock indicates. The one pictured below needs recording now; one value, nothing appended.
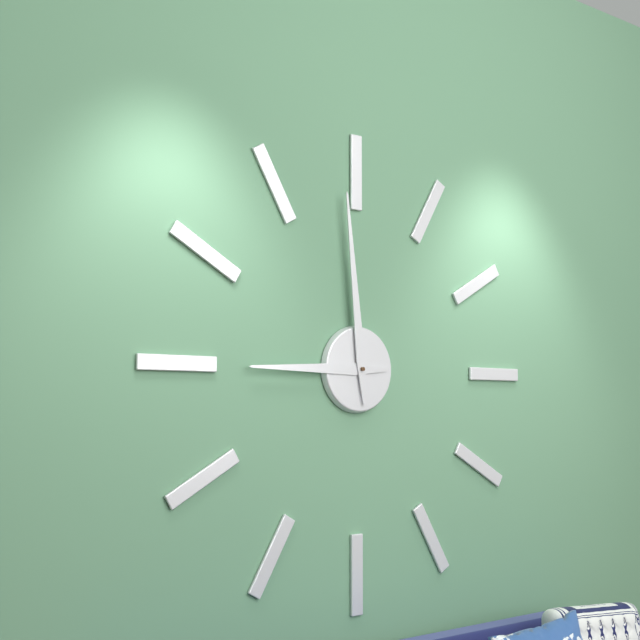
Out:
h=8 m=59
